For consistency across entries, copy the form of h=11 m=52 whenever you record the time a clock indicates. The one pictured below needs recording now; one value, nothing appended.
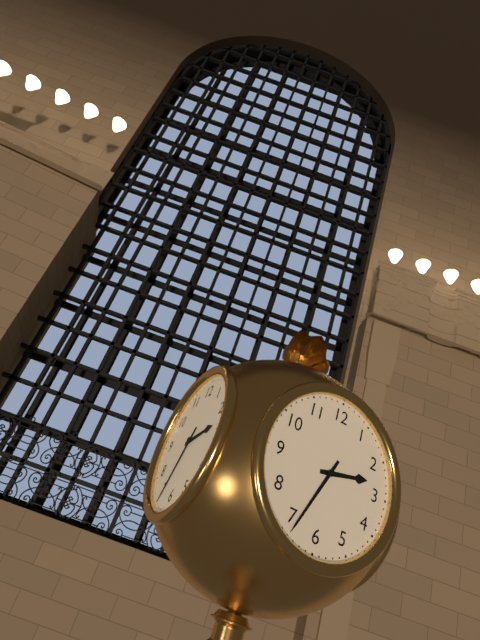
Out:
h=2 m=34
